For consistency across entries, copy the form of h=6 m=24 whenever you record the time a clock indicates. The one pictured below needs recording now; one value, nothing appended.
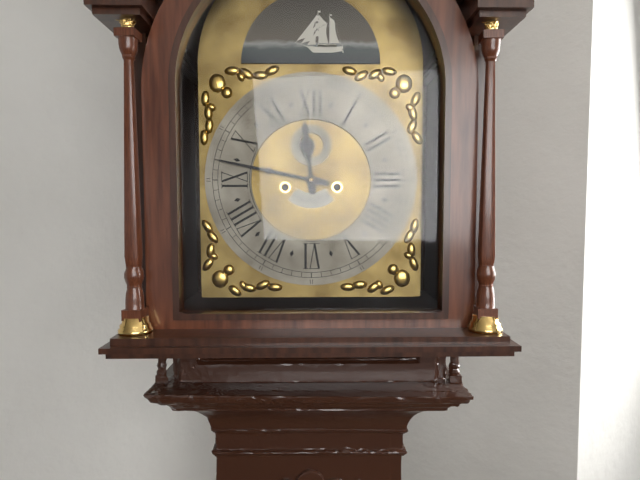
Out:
h=11 m=47
